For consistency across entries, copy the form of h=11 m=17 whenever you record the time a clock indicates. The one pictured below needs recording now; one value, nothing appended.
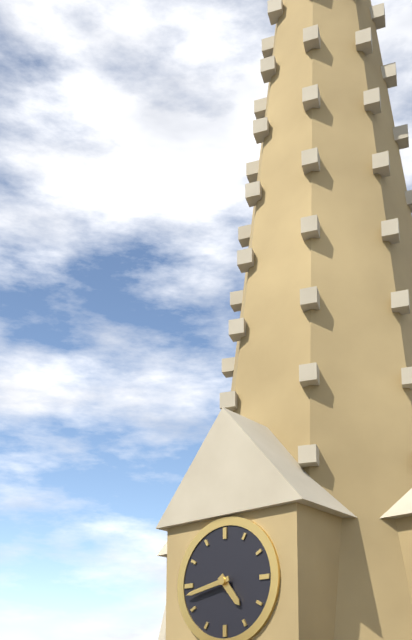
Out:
h=4 m=43
